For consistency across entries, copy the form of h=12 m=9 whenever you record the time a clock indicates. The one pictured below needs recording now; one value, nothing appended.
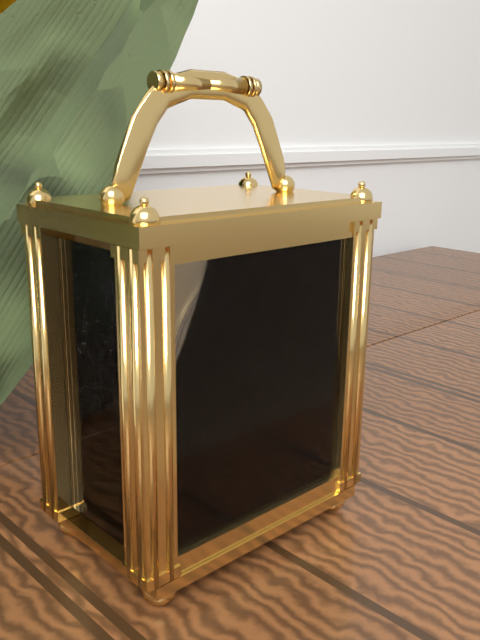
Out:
h=3 m=51
